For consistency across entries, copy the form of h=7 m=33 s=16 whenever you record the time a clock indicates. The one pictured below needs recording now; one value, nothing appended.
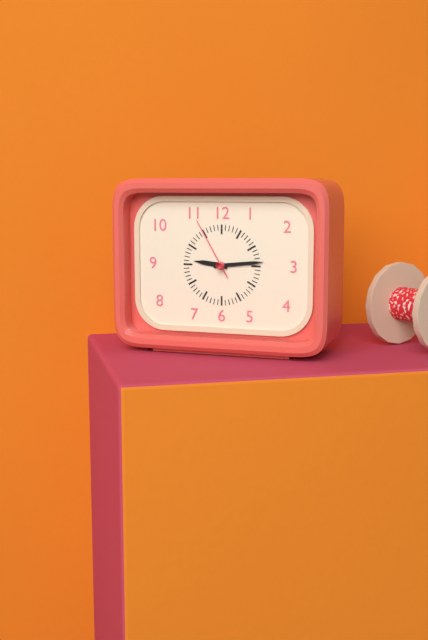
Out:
h=9 m=14 s=55
